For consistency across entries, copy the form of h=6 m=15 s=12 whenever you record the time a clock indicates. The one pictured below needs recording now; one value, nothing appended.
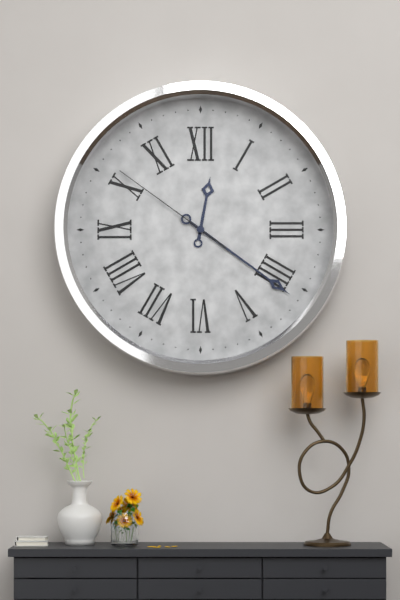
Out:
h=12 m=21 s=51
